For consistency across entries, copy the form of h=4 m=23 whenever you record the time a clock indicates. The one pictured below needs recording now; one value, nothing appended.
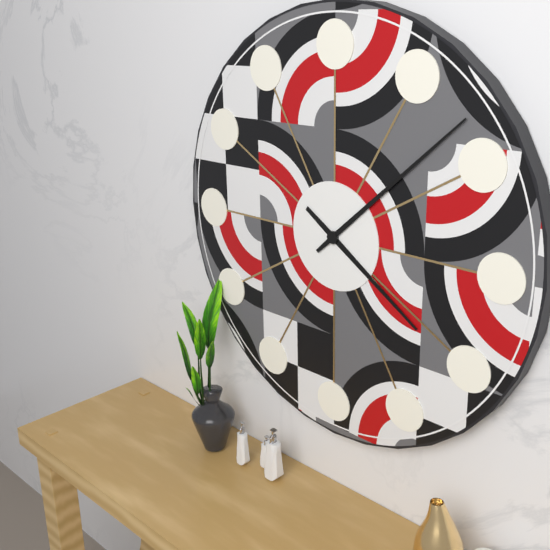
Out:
h=4 m=8
